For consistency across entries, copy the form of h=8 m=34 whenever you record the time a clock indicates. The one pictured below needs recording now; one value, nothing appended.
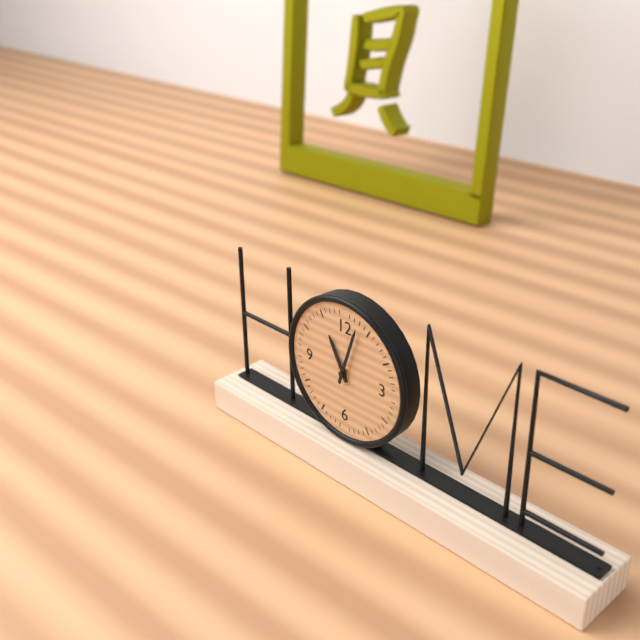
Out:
h=11 m=3
